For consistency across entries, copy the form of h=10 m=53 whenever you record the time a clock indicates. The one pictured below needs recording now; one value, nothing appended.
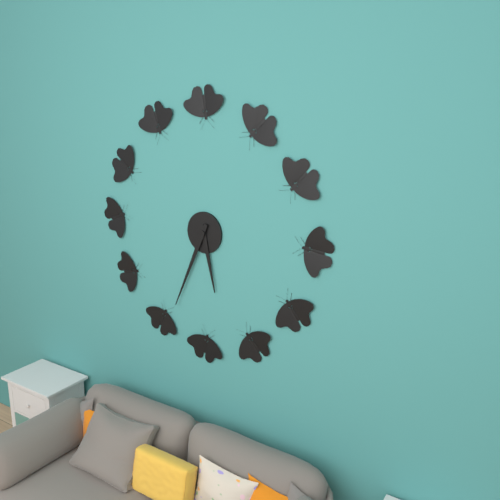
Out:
h=5 m=34
